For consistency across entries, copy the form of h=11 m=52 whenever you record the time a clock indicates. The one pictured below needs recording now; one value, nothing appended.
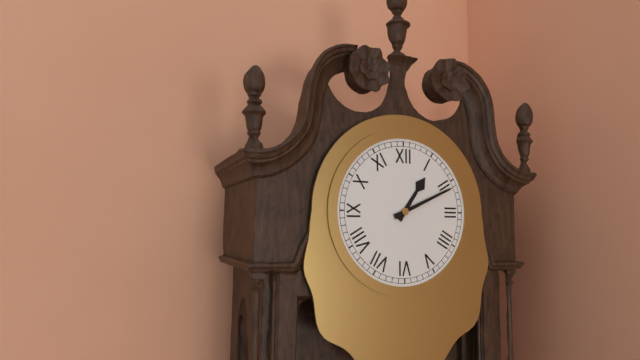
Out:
h=1 m=11
